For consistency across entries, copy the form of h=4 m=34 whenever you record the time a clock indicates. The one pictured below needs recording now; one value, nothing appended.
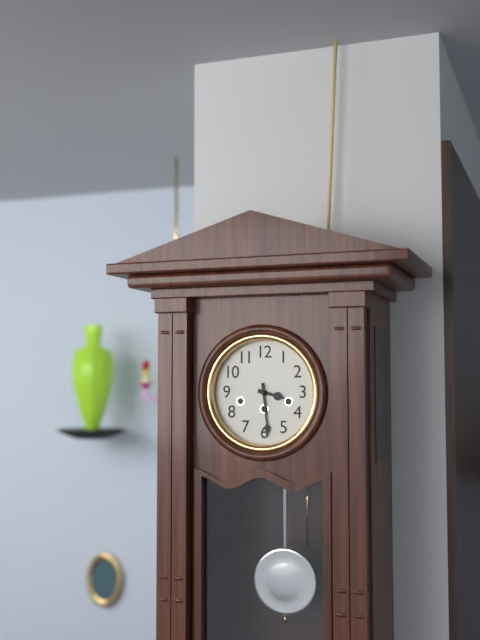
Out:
h=3 m=29
